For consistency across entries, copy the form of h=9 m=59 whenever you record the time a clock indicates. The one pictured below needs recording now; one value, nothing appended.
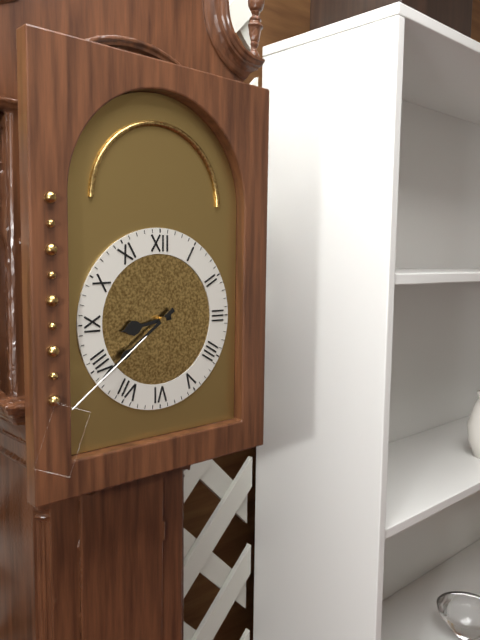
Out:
h=8 m=39
